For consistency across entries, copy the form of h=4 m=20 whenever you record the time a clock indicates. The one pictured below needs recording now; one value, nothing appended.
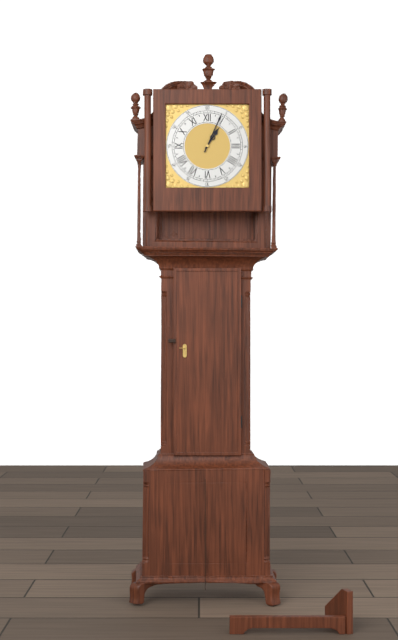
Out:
h=1 m=4
